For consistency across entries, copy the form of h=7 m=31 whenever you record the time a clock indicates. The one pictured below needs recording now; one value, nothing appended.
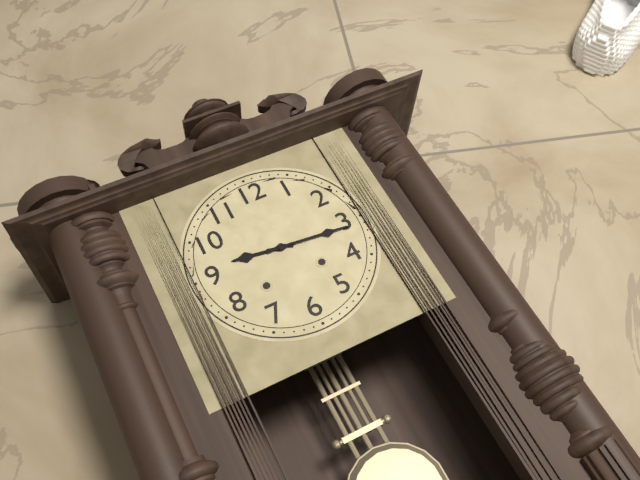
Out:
h=9 m=16
